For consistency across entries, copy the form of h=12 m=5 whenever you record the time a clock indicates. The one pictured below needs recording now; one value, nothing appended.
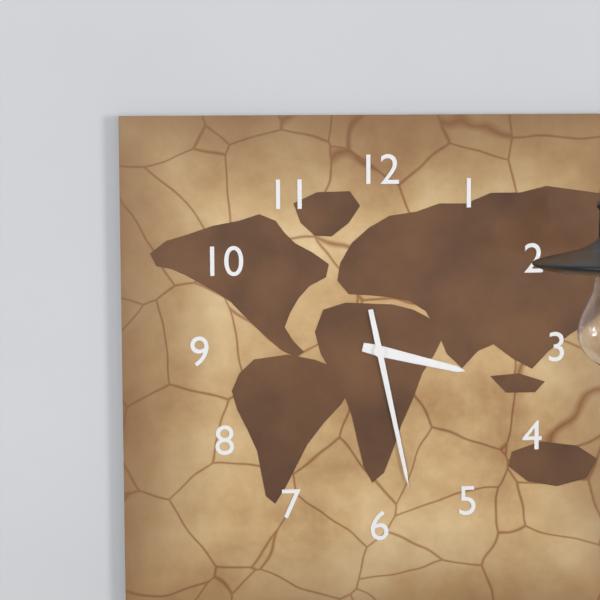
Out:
h=3 m=28
